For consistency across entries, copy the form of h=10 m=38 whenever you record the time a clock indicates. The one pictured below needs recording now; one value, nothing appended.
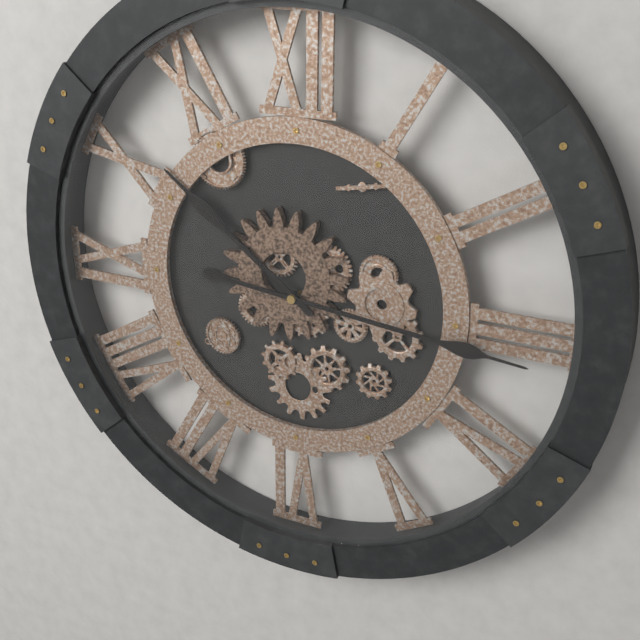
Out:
h=10 m=16
